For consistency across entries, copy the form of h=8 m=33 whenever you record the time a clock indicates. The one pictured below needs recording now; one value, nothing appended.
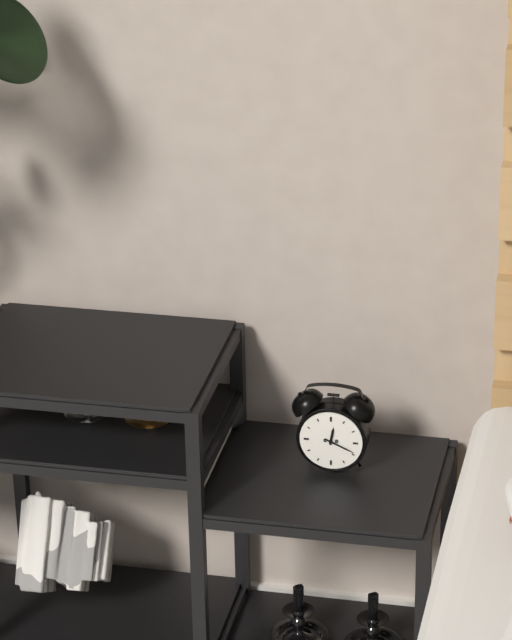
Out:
h=12 m=19
